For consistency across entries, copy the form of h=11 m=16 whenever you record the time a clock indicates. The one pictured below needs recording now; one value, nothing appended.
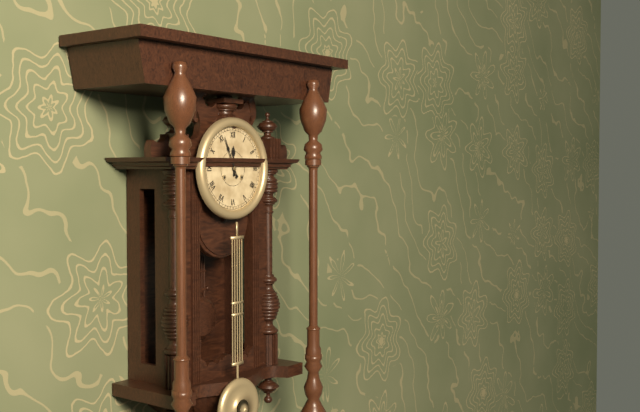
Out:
h=11 m=56
